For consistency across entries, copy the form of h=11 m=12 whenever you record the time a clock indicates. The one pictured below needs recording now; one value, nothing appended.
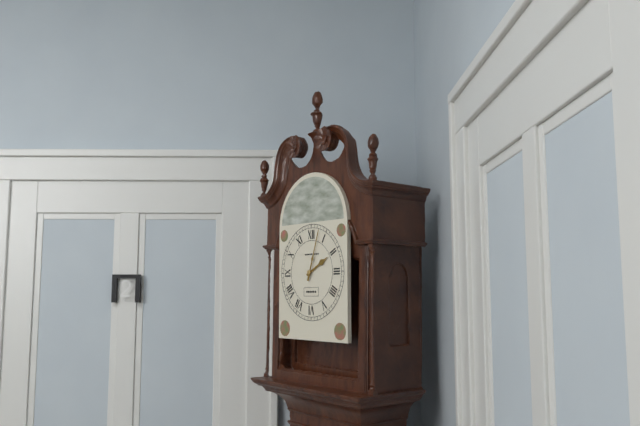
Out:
h=2 m=3
